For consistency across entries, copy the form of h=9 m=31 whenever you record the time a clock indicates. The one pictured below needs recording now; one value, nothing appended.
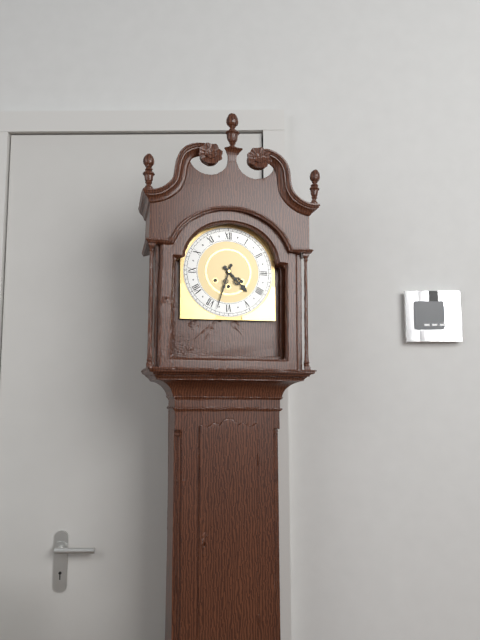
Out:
h=4 m=33
